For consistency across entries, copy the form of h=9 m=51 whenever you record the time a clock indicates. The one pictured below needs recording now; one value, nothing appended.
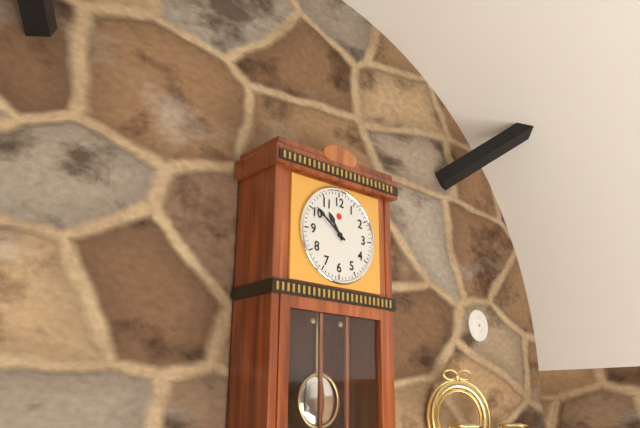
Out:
h=10 m=51
